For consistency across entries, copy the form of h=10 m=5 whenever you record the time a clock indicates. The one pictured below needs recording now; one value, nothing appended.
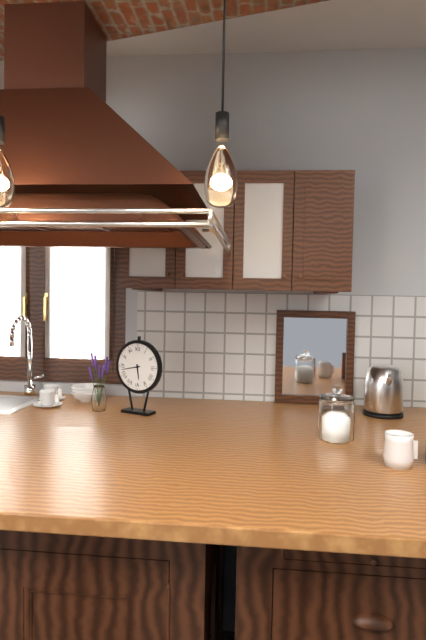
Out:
h=5 m=43
